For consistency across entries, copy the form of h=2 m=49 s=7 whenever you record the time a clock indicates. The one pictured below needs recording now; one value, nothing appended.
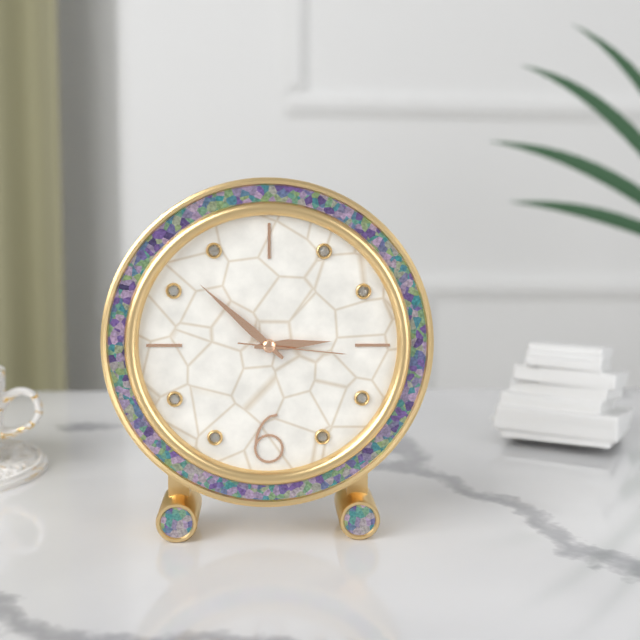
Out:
h=2 m=52 s=16
